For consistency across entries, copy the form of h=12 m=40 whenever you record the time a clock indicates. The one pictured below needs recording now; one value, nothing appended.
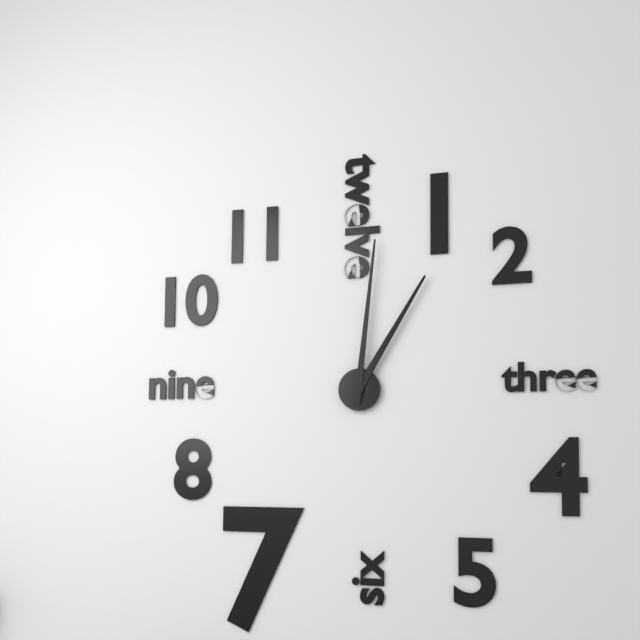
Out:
h=1 m=1
